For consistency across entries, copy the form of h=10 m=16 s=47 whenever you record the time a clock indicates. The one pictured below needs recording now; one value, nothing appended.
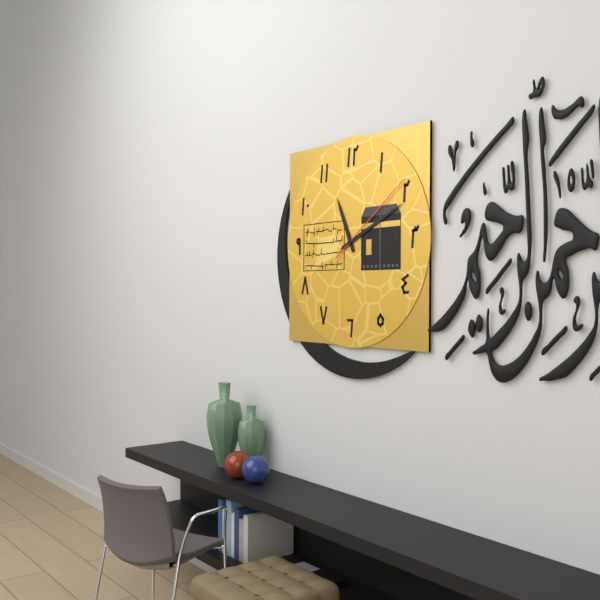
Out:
h=11 m=11 s=9
